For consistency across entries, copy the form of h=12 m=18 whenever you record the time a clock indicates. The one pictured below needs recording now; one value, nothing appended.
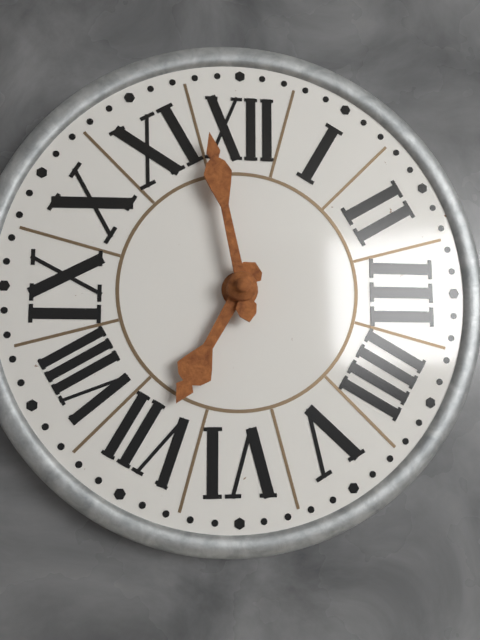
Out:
h=6 m=58
